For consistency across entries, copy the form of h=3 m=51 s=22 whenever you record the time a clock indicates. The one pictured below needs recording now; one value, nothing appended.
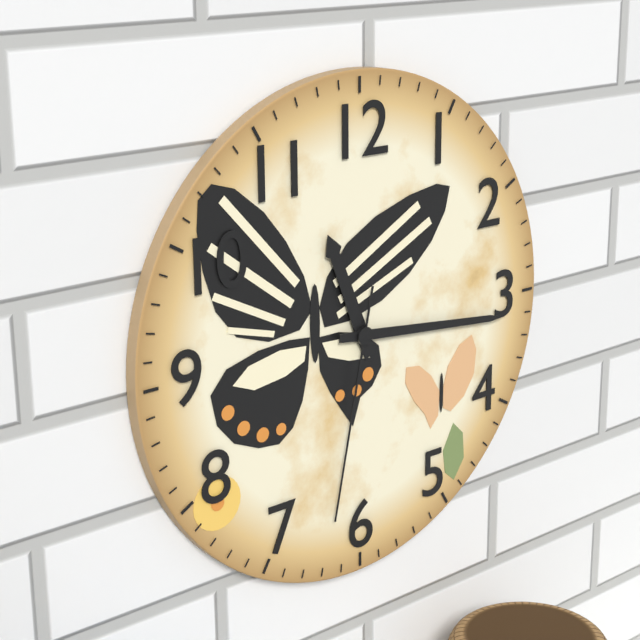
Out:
h=11 m=16 s=32
